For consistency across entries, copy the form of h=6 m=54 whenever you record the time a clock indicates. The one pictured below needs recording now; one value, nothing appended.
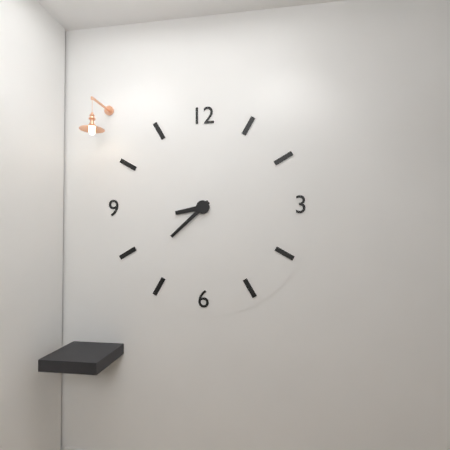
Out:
h=8 m=38
